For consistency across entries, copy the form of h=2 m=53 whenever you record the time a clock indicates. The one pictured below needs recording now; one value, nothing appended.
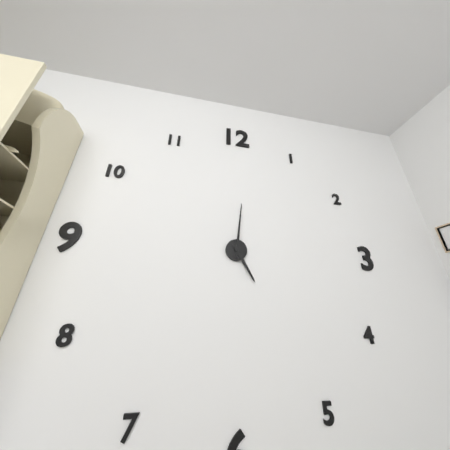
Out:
h=5 m=1
